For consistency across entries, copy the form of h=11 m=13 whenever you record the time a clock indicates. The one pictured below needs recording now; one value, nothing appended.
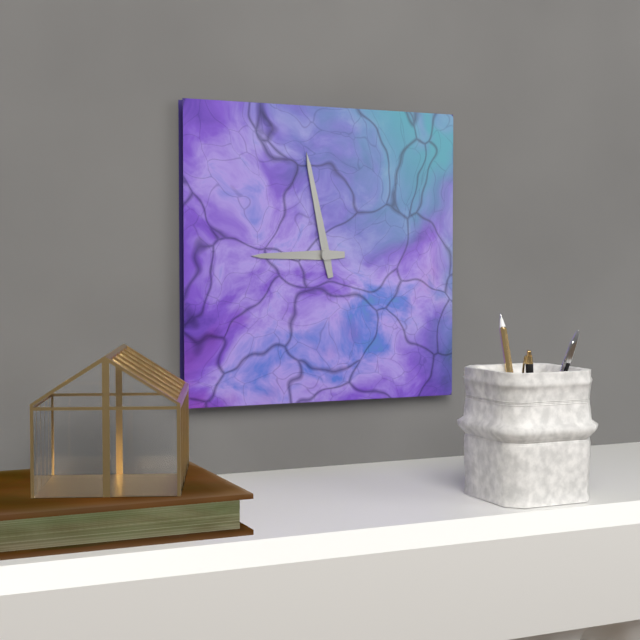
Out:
h=8 m=58
